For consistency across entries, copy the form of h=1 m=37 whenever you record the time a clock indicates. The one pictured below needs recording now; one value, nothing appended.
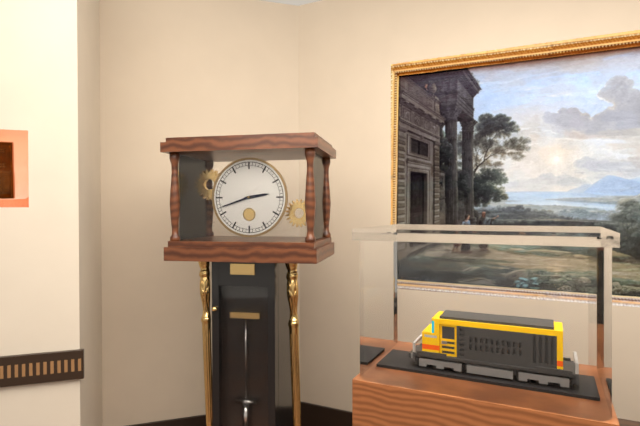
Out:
h=2 m=42
